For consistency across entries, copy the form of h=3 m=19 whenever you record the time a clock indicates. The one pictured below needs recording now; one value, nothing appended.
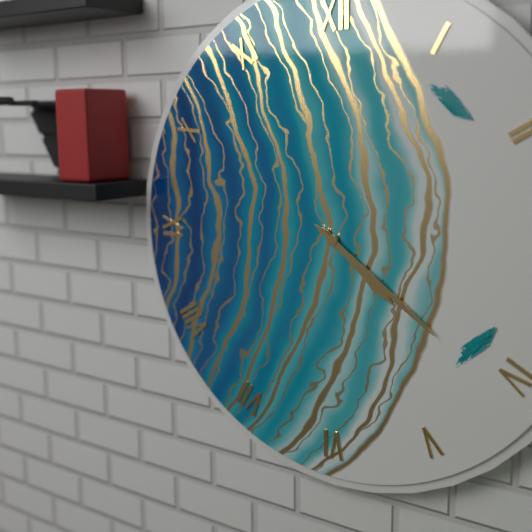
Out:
h=4 m=21
